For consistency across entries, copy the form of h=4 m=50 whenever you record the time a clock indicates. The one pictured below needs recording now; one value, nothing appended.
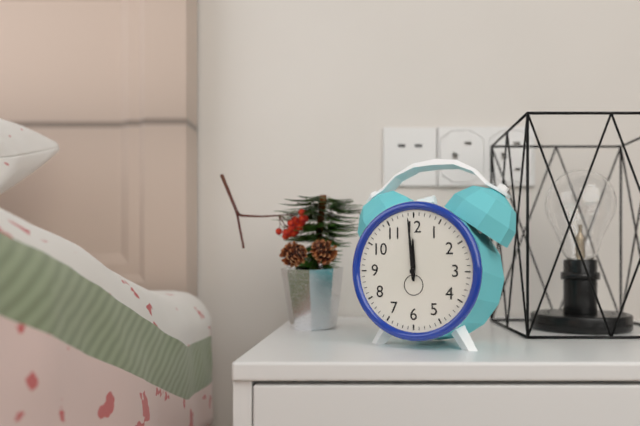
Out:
h=11 m=59
